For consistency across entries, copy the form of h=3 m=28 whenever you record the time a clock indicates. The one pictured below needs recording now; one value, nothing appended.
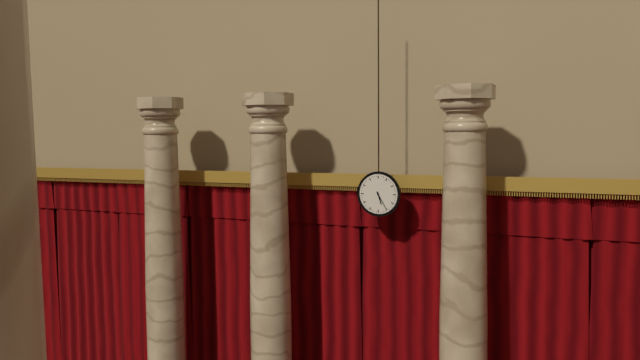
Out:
h=5 m=25
